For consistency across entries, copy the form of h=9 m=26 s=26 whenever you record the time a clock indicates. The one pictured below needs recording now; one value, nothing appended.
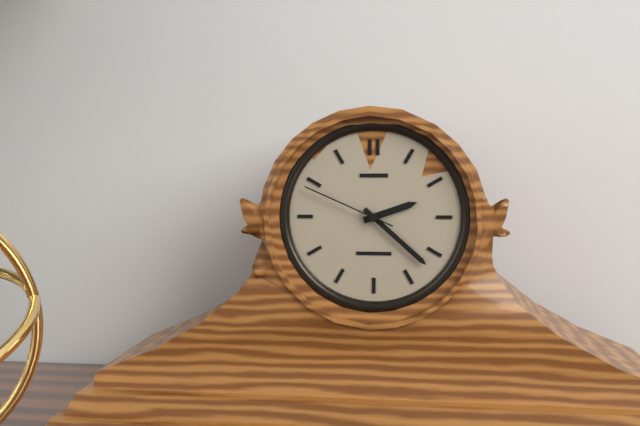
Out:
h=2 m=22 s=49
